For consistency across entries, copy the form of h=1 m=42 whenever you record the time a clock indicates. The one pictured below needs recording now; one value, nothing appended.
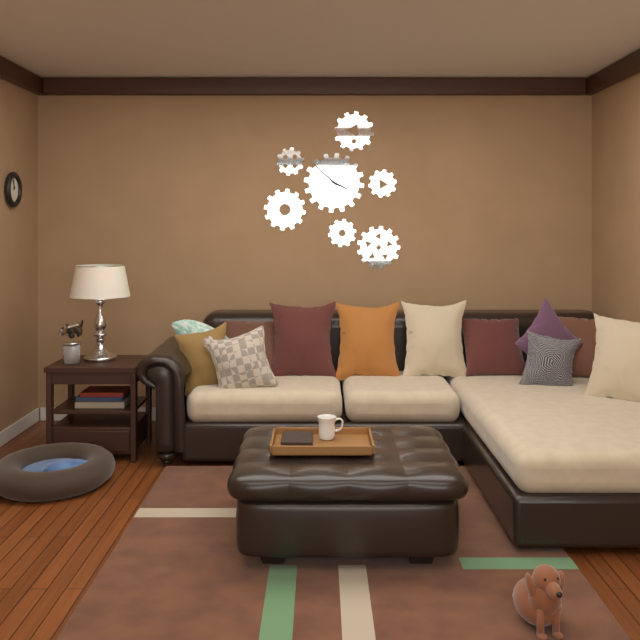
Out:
h=3 m=52
